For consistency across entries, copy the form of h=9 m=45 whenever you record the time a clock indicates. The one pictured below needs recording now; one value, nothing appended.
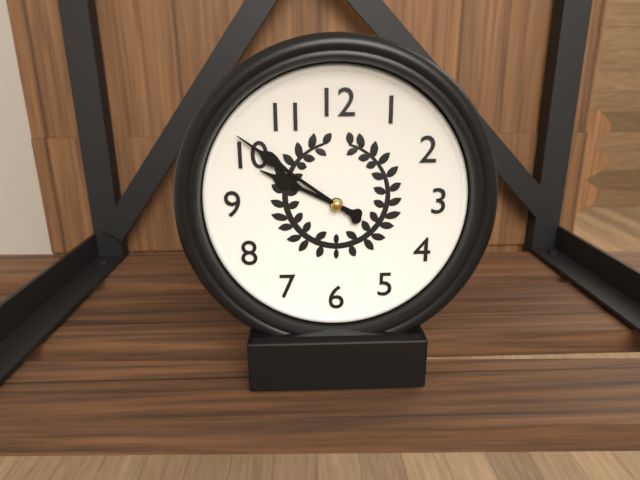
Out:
h=9 m=51
